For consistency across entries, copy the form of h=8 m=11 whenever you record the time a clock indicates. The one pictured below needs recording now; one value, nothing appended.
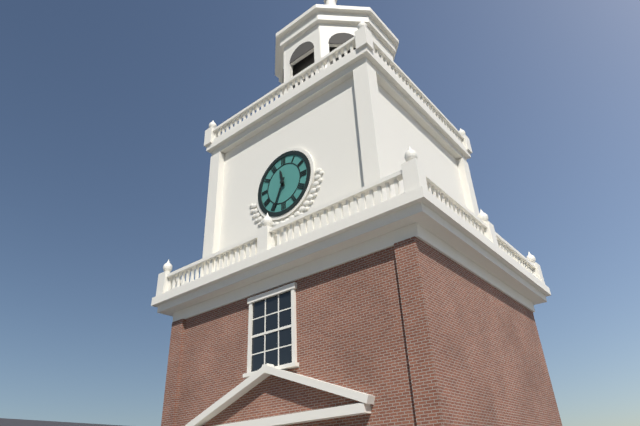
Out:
h=11 m=34
